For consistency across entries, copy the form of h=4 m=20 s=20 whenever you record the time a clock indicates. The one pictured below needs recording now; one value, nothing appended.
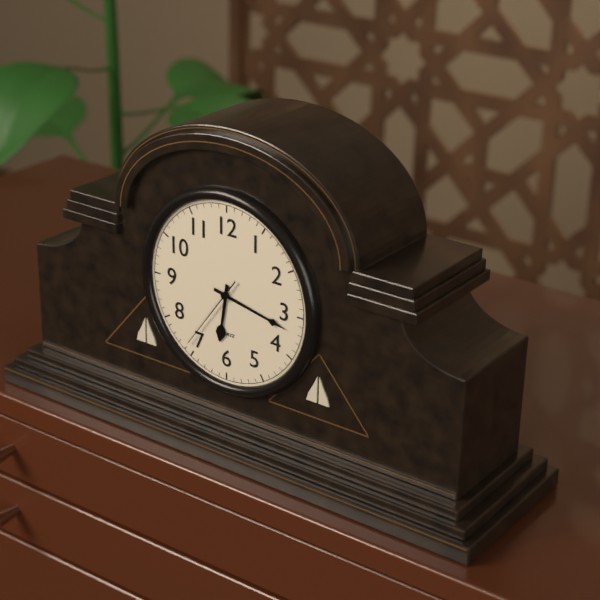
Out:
h=6 m=17 s=36
